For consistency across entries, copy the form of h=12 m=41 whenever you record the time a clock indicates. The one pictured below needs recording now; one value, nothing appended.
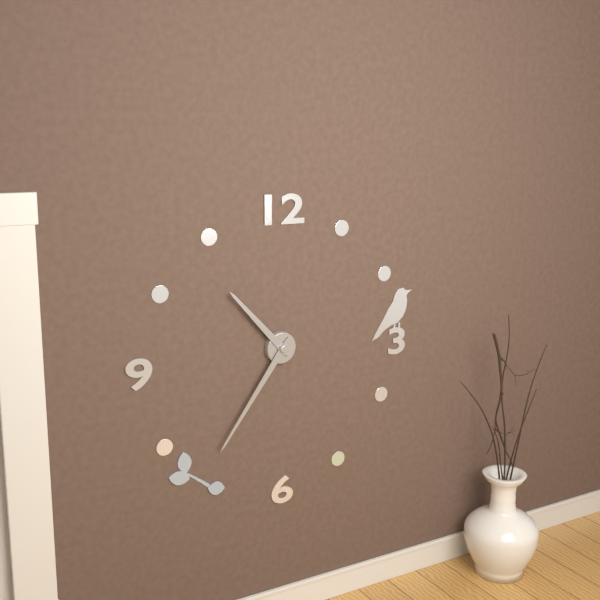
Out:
h=10 m=36
